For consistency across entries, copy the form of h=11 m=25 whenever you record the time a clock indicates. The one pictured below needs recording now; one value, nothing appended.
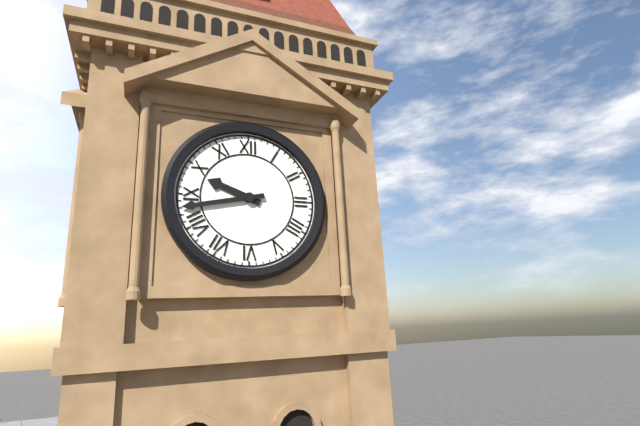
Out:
h=9 m=43
